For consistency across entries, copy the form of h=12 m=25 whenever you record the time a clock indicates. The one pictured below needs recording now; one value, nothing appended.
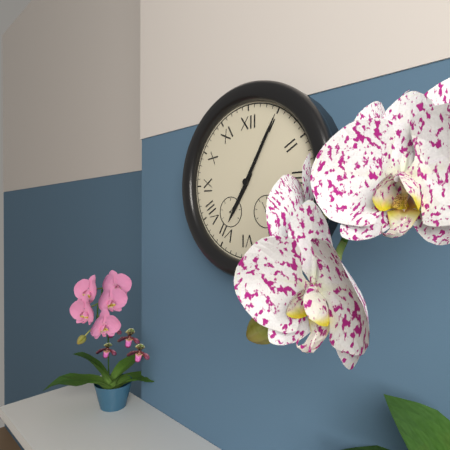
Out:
h=7 m=5
